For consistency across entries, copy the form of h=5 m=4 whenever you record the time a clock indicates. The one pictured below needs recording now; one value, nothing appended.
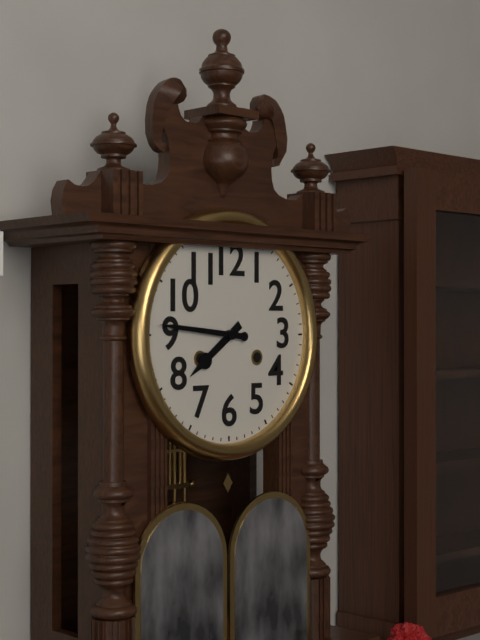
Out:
h=7 m=46
